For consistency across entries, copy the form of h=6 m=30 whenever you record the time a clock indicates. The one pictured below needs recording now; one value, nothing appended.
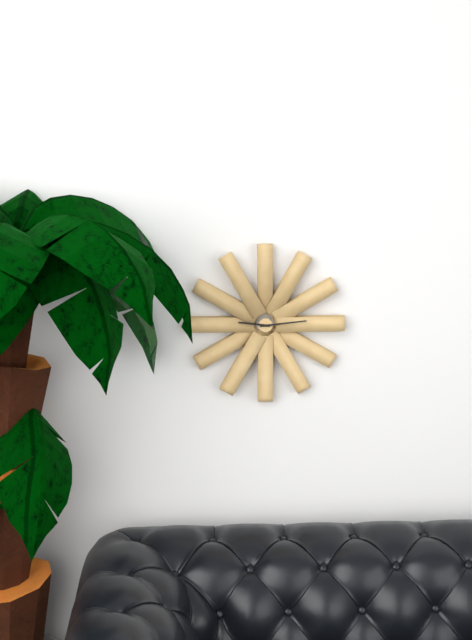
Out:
h=9 m=14
